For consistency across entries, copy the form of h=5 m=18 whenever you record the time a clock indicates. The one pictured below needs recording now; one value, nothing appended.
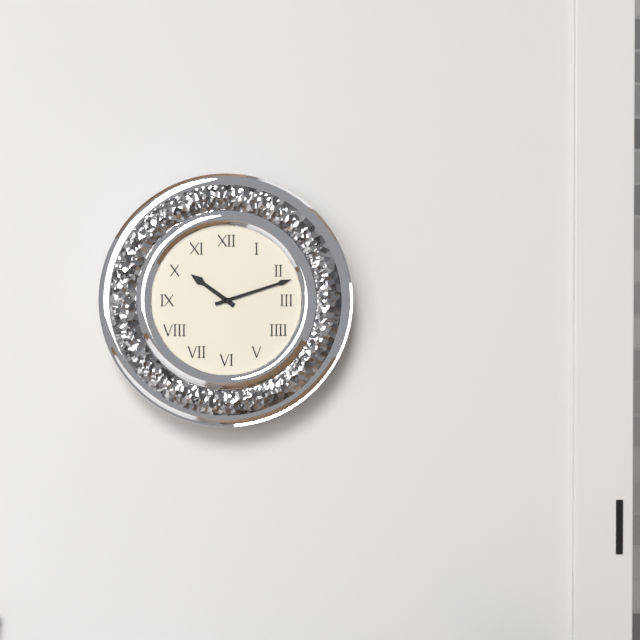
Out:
h=10 m=12
